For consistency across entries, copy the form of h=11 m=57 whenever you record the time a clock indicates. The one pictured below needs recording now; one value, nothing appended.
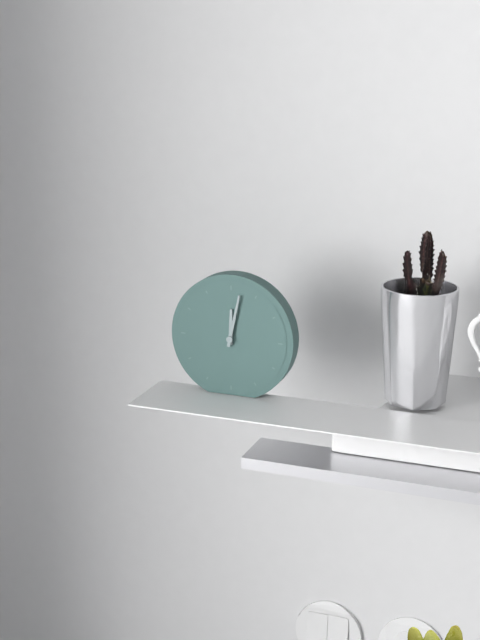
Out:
h=12 m=2
